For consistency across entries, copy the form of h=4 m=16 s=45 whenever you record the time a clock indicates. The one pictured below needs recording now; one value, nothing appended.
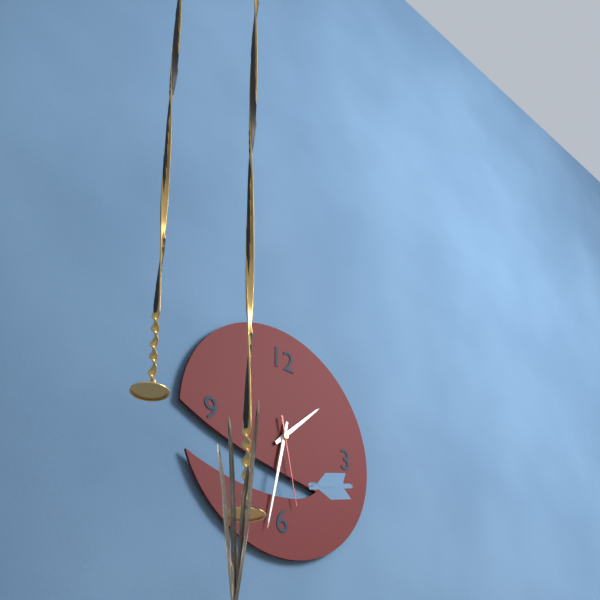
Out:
h=1 m=32 s=28
